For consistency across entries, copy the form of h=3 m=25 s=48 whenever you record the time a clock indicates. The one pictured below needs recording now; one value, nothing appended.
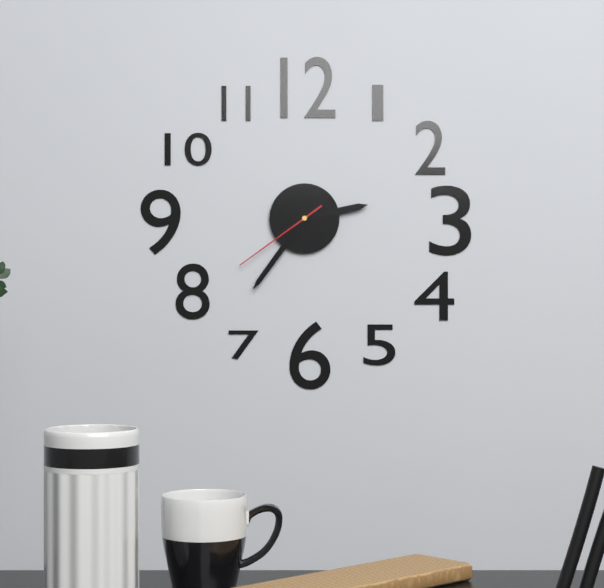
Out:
h=2 m=36 s=39
